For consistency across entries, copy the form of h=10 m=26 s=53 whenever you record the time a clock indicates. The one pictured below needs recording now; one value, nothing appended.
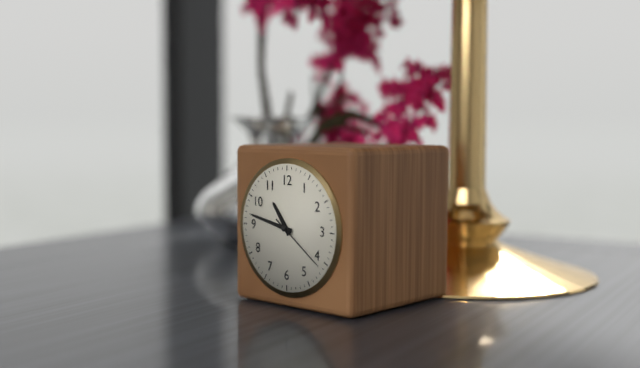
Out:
h=10 m=47 s=21
